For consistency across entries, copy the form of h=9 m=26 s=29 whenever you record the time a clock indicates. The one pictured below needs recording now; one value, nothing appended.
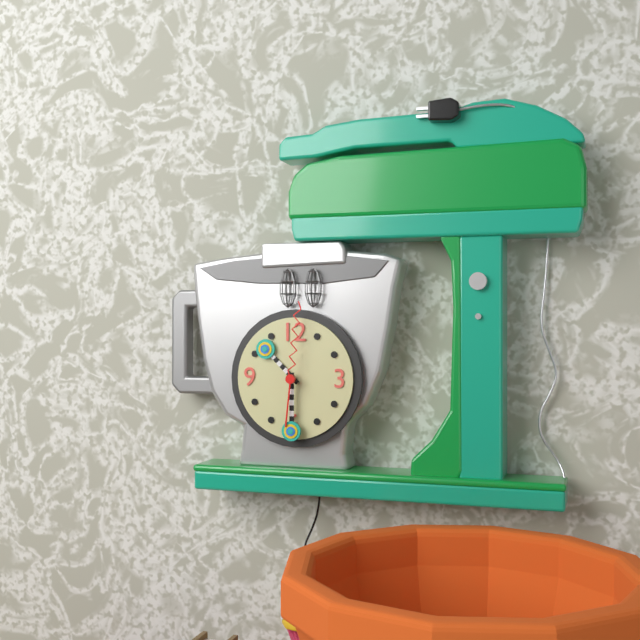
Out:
h=10 m=30 s=1
